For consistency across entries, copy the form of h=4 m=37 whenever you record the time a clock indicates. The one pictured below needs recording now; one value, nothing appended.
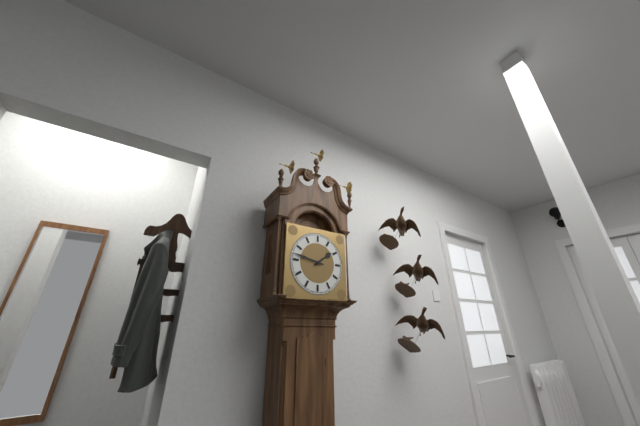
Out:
h=1 m=47
